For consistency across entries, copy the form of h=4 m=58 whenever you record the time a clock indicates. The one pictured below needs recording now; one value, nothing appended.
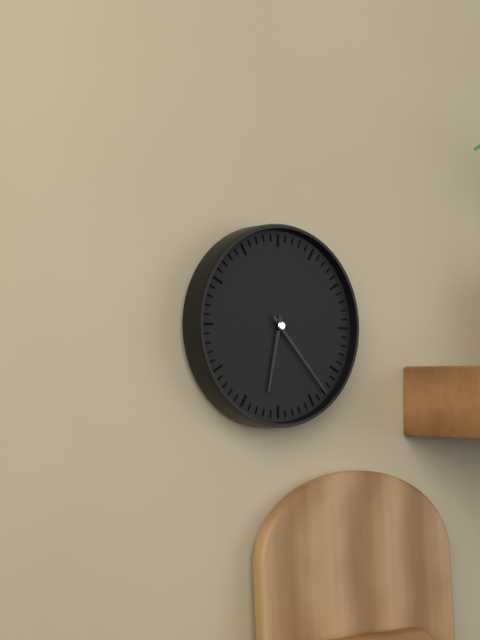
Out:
h=6 m=23
